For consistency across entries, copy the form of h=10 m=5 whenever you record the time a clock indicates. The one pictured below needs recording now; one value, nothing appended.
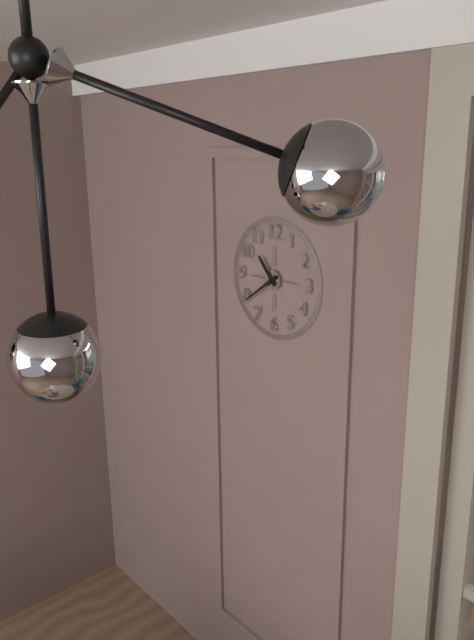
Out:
h=10 m=39
